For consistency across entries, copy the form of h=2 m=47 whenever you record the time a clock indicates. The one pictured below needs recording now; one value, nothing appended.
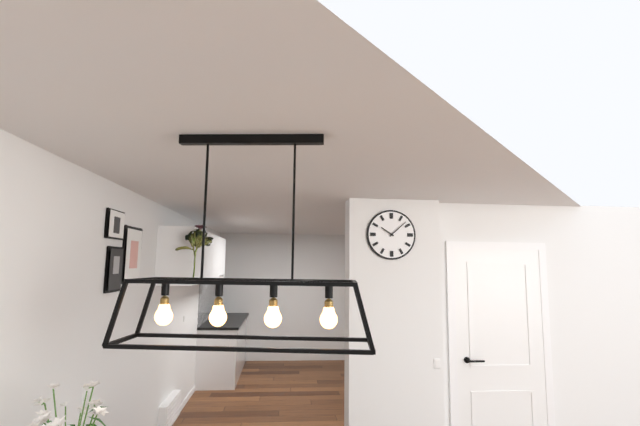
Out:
h=10 m=8
